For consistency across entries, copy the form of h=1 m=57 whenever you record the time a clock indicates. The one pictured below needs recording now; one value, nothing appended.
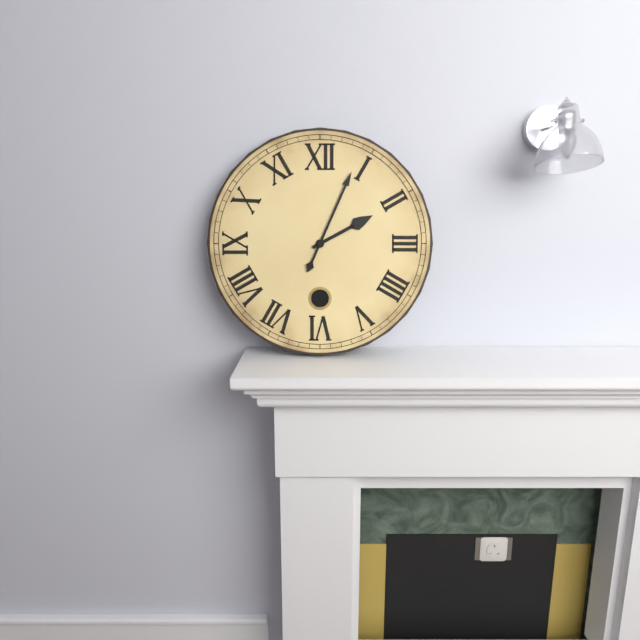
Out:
h=2 m=4
